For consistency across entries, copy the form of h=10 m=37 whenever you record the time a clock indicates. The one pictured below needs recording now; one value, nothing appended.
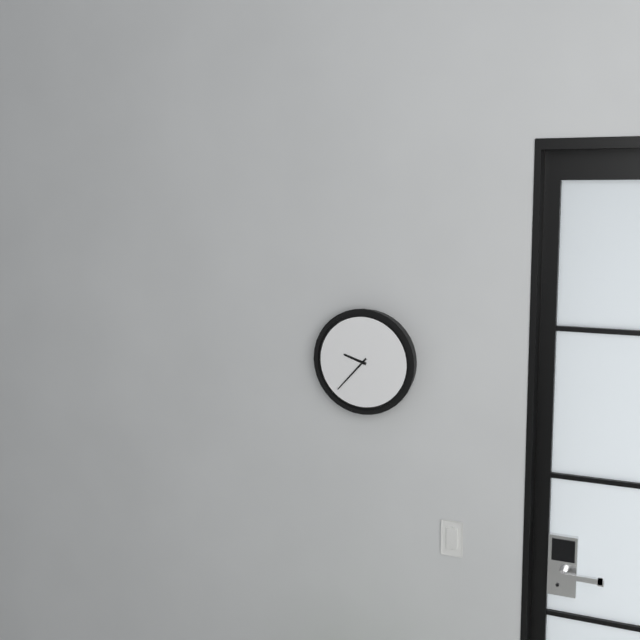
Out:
h=9 m=37
